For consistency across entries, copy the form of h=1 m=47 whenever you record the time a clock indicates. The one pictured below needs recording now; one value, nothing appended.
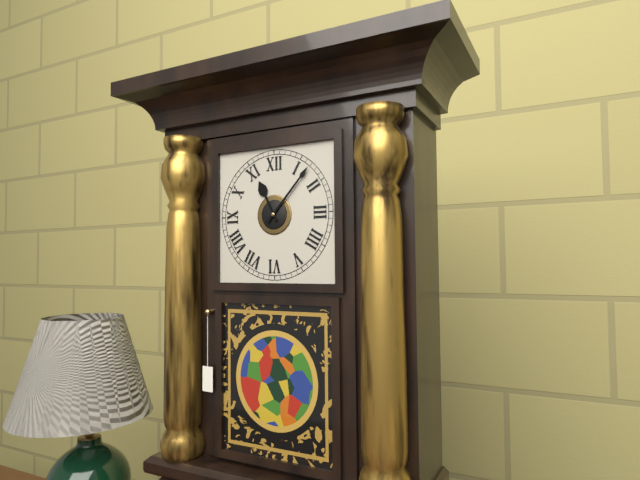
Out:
h=11 m=7
